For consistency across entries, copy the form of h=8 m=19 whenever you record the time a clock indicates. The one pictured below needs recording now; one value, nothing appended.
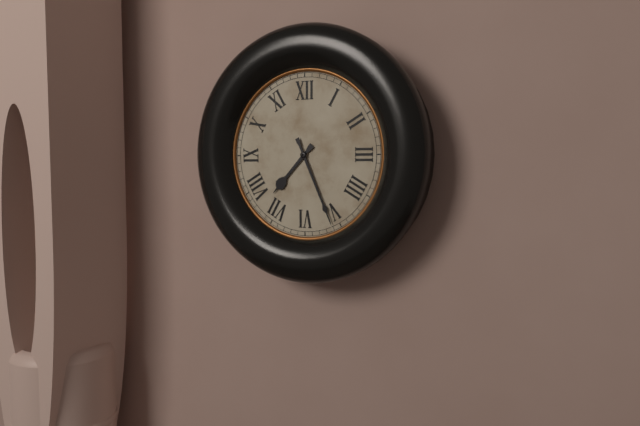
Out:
h=7 m=26
